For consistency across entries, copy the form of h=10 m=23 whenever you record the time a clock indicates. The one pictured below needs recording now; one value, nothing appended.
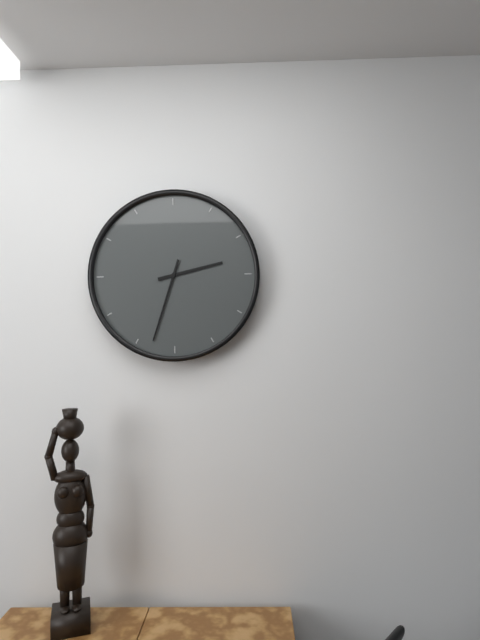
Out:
h=2 m=33
